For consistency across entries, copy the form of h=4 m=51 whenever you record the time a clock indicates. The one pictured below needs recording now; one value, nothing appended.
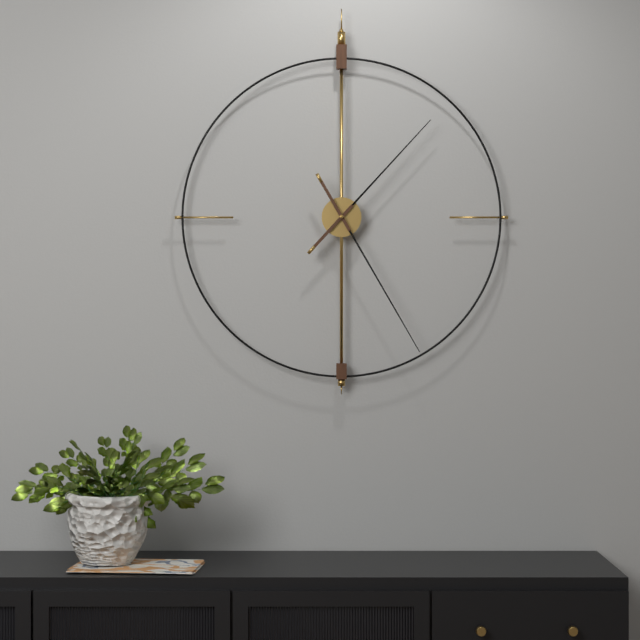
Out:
h=1 m=25
